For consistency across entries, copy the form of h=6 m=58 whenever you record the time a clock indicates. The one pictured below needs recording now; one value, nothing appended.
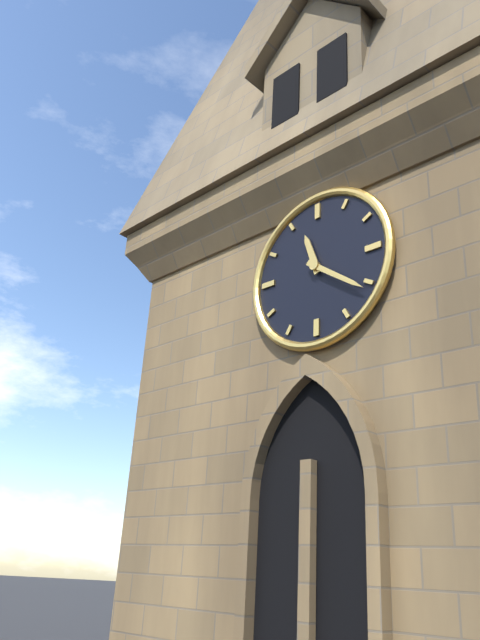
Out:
h=11 m=21
